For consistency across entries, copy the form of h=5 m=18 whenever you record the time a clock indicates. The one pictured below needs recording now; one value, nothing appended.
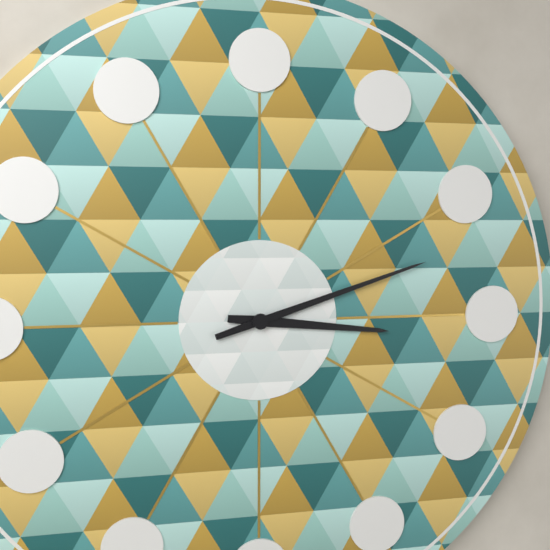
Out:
h=3 m=12
